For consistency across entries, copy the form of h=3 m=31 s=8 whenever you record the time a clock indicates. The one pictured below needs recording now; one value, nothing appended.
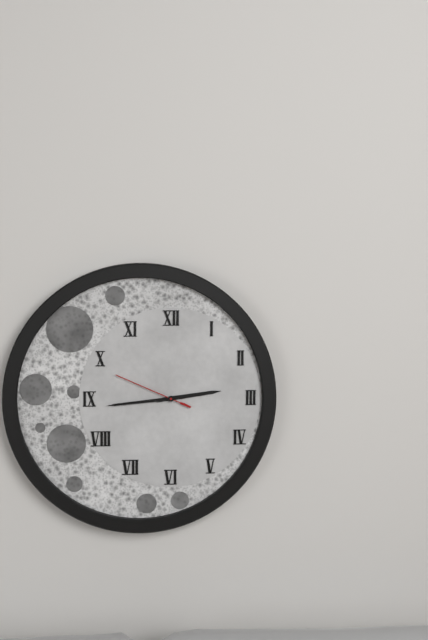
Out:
h=2 m=44 s=49
